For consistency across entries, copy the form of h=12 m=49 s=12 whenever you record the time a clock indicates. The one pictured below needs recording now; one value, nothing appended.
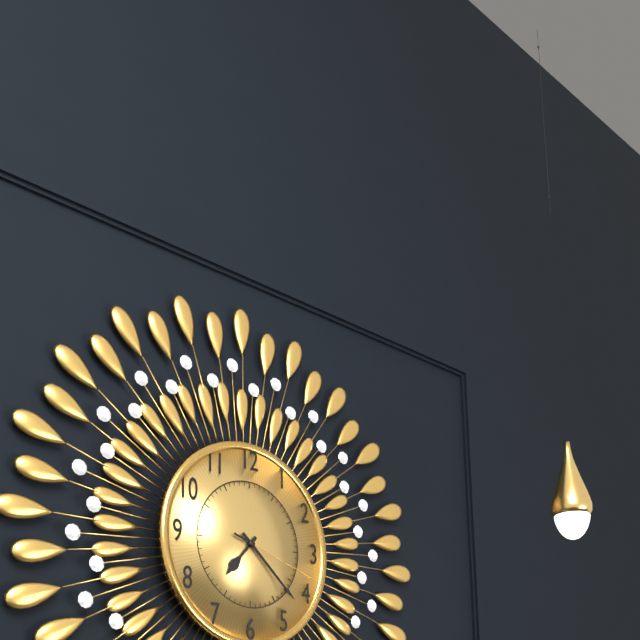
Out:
h=7 m=22 s=18
